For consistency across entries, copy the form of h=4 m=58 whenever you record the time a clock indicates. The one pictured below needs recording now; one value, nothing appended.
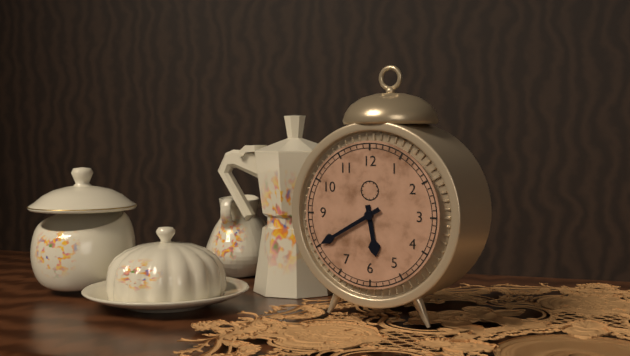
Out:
h=5 m=40
